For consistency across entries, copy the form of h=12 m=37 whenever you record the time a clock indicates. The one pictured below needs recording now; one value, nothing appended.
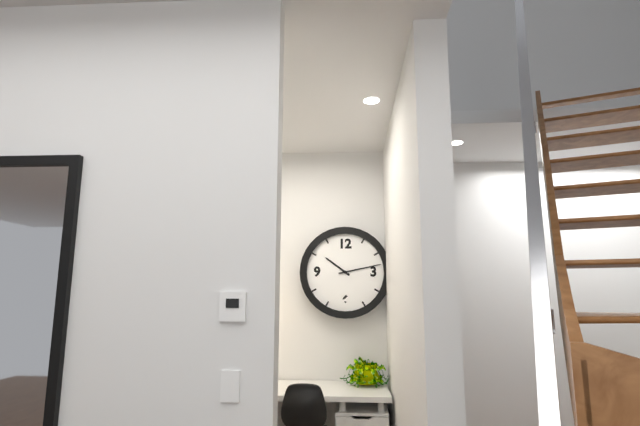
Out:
h=10 m=13
